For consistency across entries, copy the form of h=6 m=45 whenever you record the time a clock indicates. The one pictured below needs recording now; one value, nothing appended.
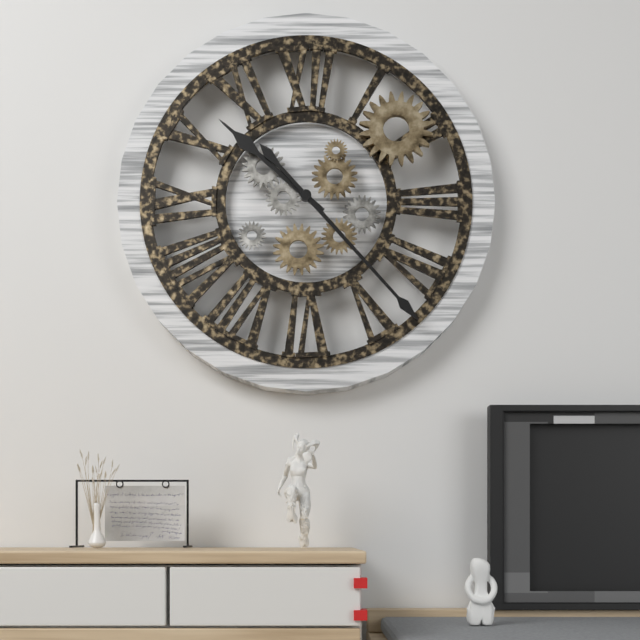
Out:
h=10 m=23
